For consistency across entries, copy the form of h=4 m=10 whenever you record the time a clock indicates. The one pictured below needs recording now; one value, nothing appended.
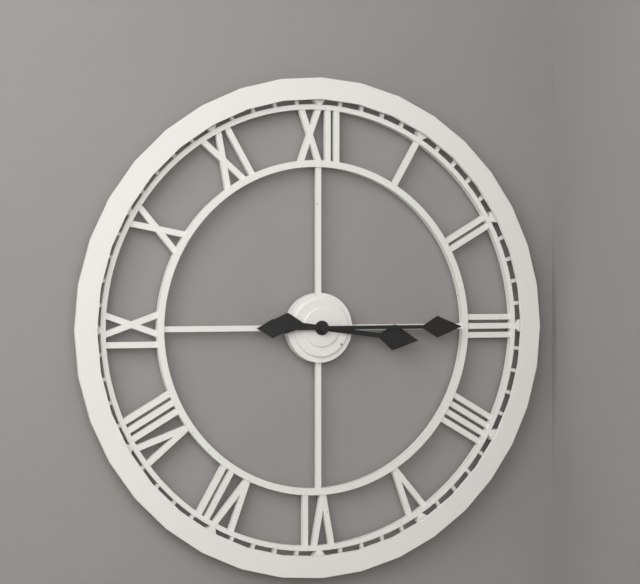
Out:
h=3 m=15
